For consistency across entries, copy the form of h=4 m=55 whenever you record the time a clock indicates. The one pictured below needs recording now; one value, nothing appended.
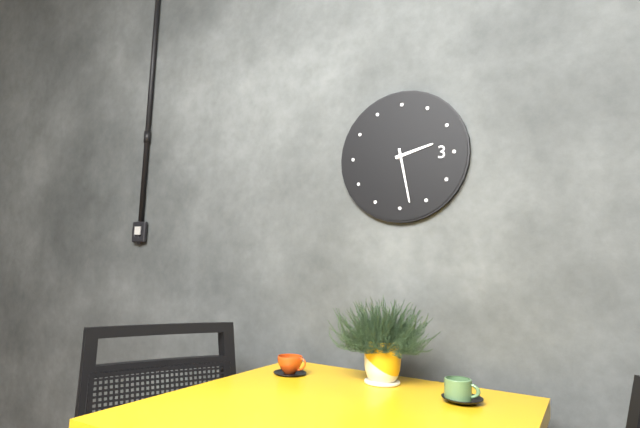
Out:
h=2 m=28
